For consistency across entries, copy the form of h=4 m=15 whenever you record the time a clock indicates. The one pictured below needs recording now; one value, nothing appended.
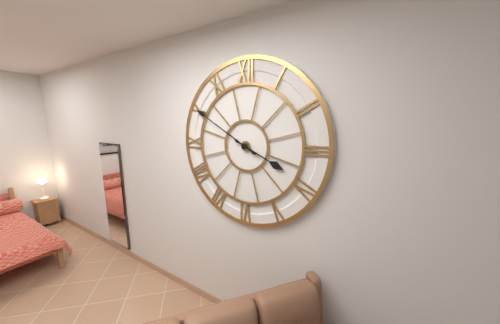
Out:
h=3 m=50
